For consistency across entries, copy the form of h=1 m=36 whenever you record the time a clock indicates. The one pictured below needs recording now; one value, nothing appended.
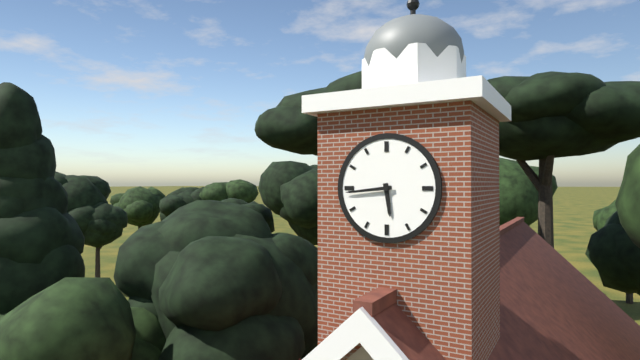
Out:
h=5 m=44
